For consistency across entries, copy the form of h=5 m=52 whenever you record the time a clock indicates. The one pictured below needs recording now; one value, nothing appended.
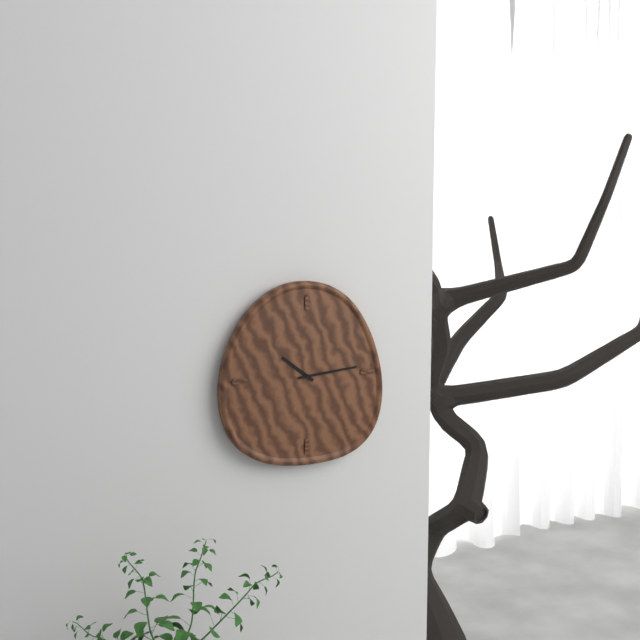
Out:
h=10 m=14
